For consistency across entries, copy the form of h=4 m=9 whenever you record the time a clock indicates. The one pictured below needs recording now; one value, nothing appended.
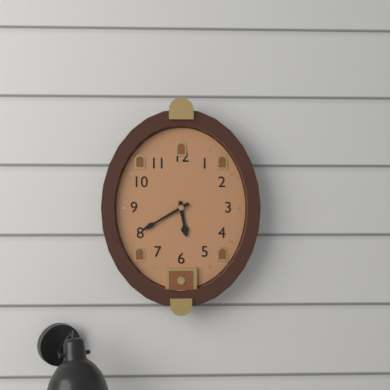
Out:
h=5 m=40
